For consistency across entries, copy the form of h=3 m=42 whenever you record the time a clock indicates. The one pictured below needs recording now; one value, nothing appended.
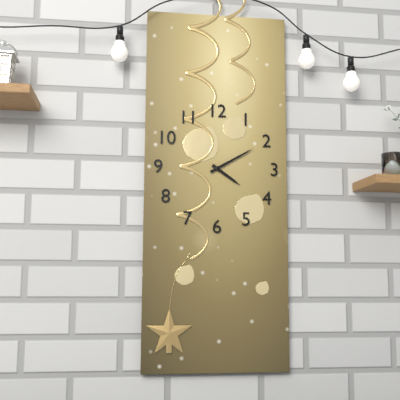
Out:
h=4 m=10
